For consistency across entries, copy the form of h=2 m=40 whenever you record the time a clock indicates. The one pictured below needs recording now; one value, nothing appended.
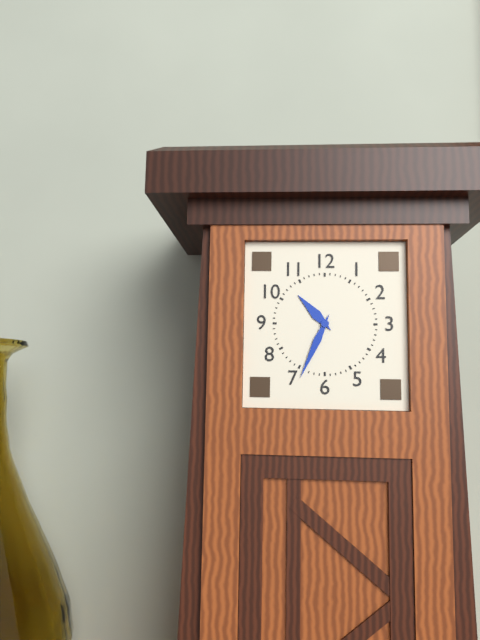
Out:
h=10 m=34
